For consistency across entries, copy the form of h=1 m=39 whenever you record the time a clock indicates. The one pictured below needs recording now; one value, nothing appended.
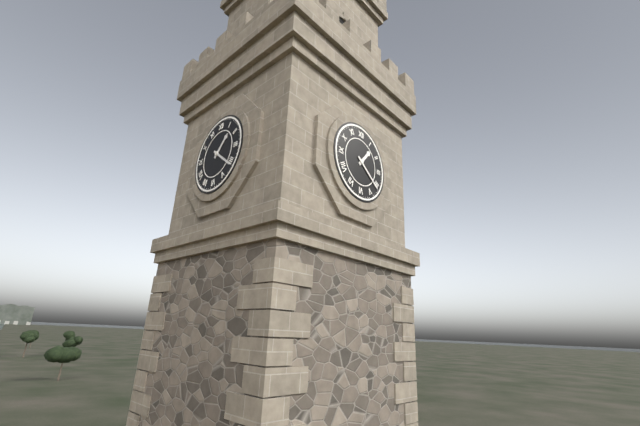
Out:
h=1 m=21
